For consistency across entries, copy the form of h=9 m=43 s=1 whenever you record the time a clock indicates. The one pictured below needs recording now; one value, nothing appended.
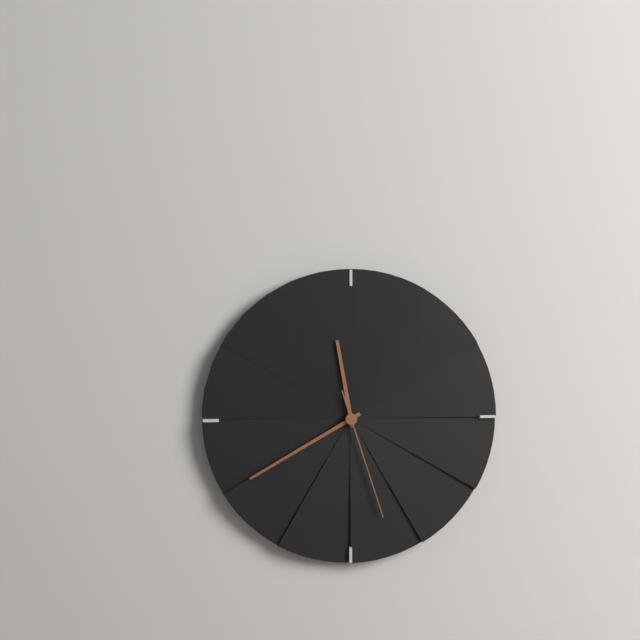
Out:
h=11 m=40 s=27
